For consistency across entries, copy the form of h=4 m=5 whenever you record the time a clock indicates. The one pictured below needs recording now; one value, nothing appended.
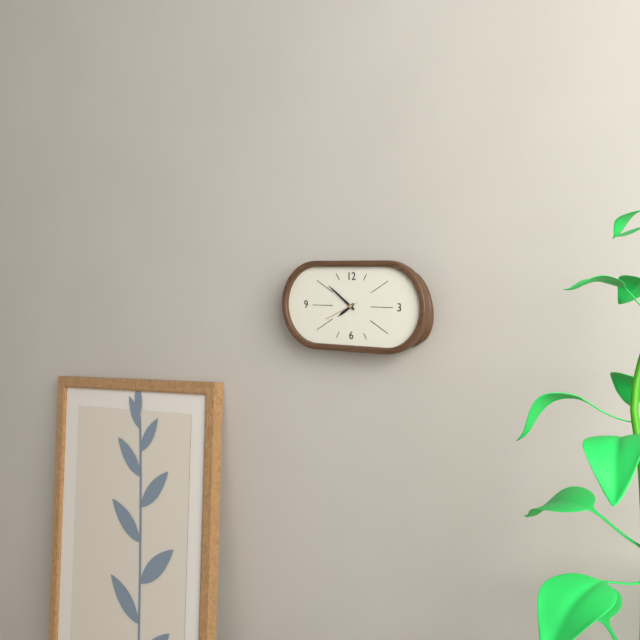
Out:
h=7 m=51
